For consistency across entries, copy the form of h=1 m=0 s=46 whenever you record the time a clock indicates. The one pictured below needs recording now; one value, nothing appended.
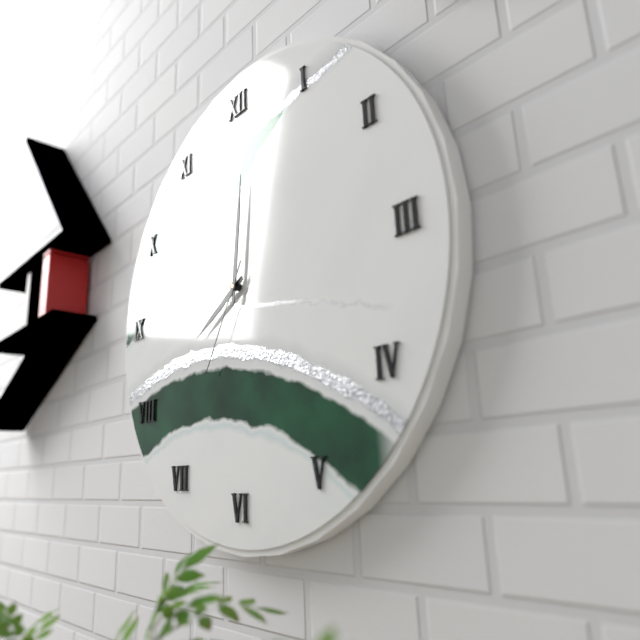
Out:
h=8 m=1 s=35
